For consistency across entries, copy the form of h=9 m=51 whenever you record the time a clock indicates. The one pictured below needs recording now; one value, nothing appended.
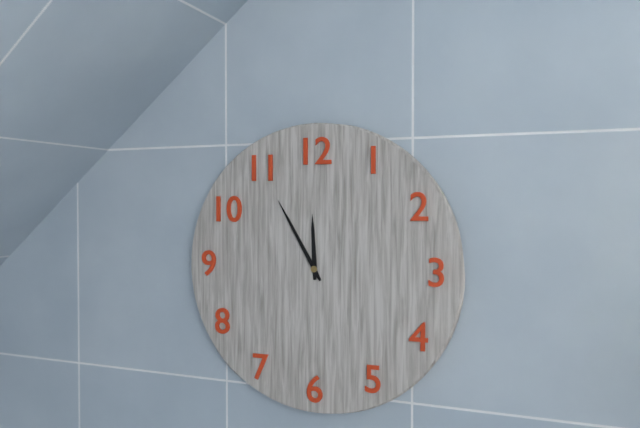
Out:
h=11 m=55
